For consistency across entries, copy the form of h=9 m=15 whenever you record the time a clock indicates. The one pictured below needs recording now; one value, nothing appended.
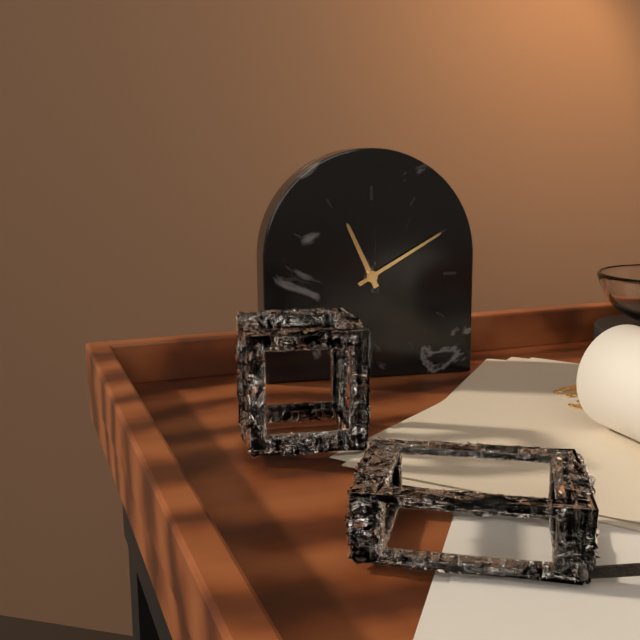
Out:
h=11 m=10
